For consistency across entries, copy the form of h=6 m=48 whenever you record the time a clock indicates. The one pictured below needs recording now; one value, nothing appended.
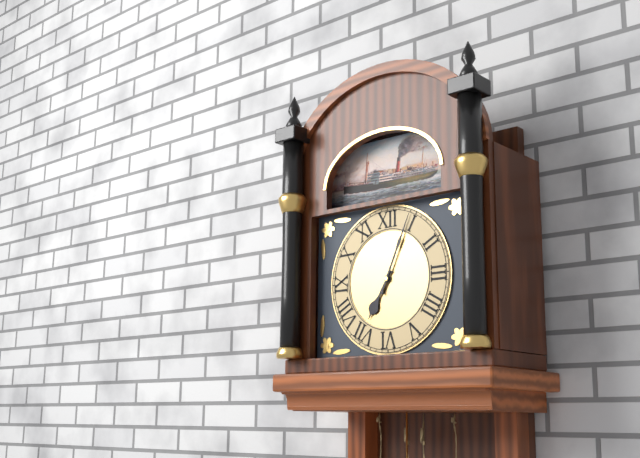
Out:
h=7 m=4
